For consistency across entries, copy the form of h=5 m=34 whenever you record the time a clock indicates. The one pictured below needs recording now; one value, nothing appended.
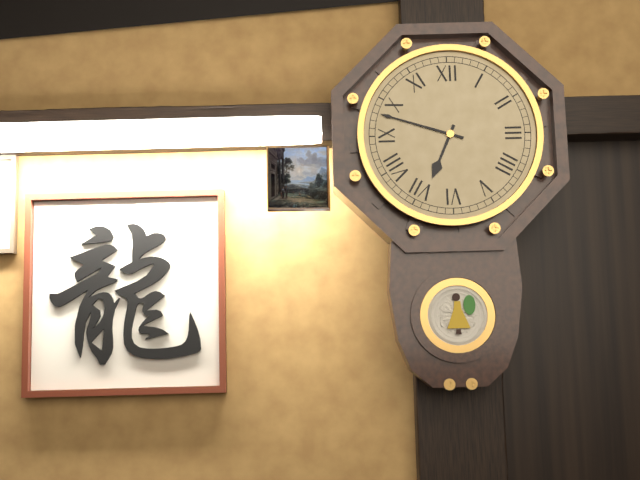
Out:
h=6 m=48
